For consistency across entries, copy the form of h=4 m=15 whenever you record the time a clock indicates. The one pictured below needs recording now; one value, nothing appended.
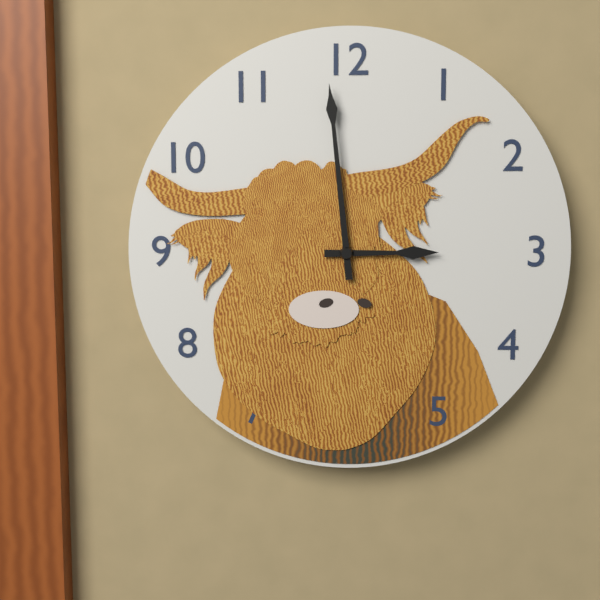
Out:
h=2 m=59
